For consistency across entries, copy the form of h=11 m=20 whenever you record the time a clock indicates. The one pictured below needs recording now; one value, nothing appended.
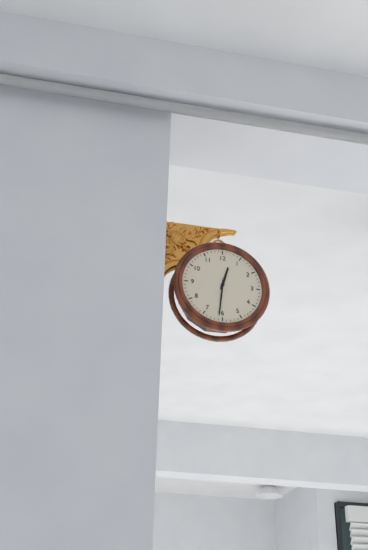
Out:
h=12 m=31
